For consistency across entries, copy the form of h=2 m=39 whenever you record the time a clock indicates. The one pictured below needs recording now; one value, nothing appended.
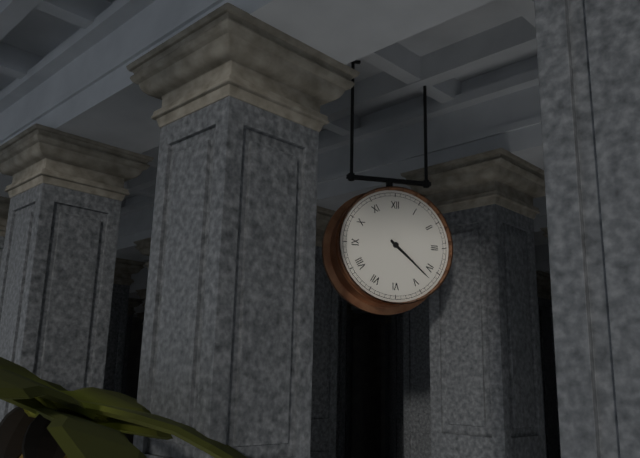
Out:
h=4 m=22
